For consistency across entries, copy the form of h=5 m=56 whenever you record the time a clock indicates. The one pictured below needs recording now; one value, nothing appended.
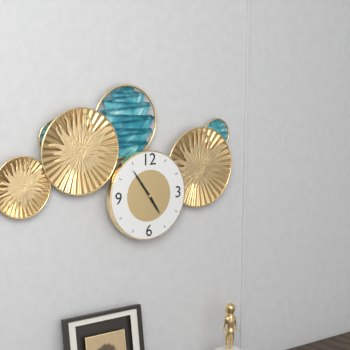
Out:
h=4 m=54
